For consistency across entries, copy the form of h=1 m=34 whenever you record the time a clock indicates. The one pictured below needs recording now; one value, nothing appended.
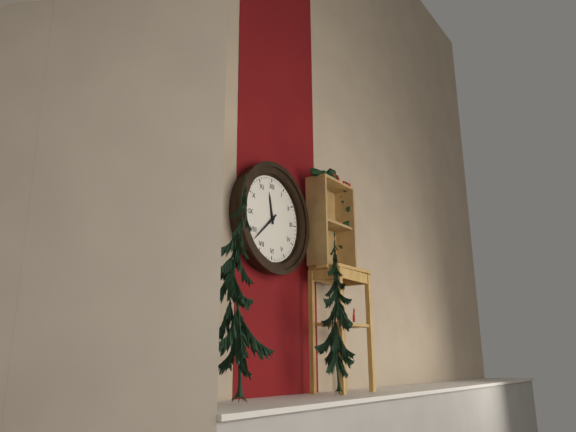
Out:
h=11 m=38
